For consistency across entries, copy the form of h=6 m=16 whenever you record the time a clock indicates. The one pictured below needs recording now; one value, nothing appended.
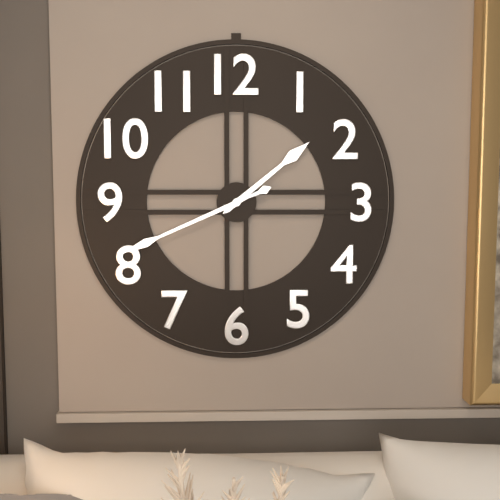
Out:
h=1 m=41
